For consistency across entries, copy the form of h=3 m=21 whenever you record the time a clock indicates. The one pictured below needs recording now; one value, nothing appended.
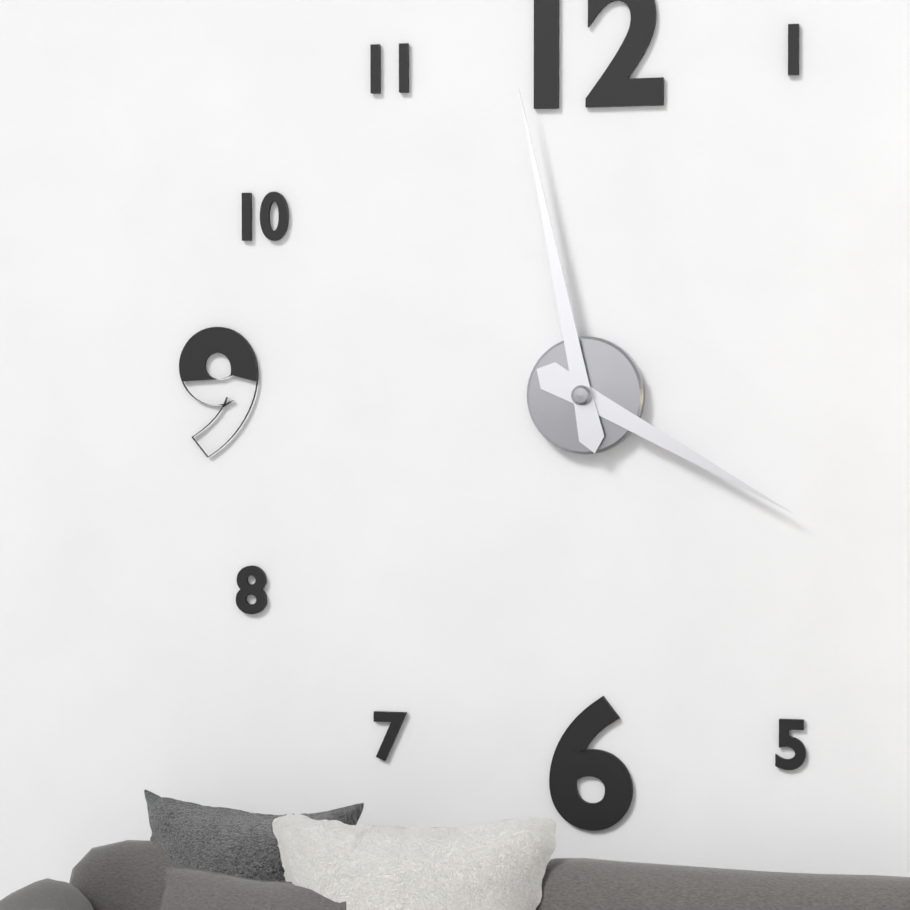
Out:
h=3 m=58
